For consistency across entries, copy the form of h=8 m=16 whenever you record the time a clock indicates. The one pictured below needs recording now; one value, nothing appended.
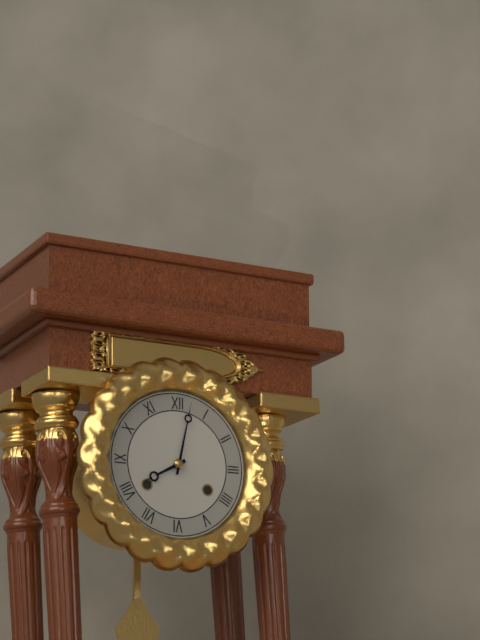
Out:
h=8 m=2
